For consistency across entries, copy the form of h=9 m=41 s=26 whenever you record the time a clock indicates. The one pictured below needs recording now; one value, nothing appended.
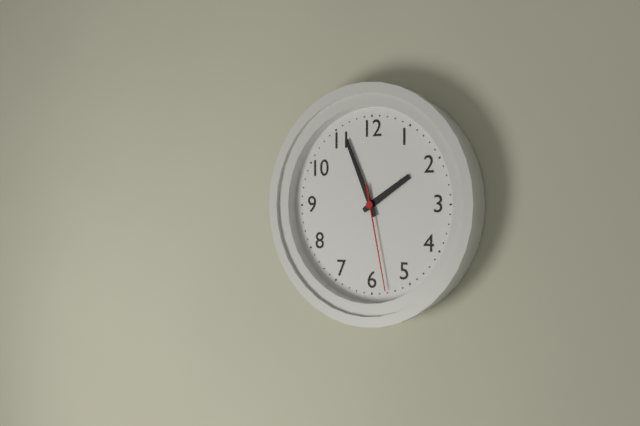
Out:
h=1 m=56 s=28
